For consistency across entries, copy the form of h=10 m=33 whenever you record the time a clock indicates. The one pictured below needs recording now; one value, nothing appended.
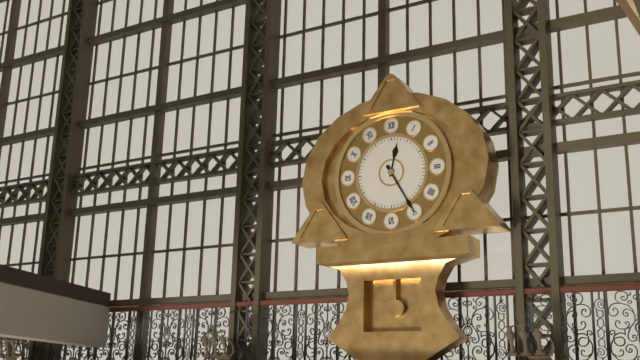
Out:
h=12 m=25
